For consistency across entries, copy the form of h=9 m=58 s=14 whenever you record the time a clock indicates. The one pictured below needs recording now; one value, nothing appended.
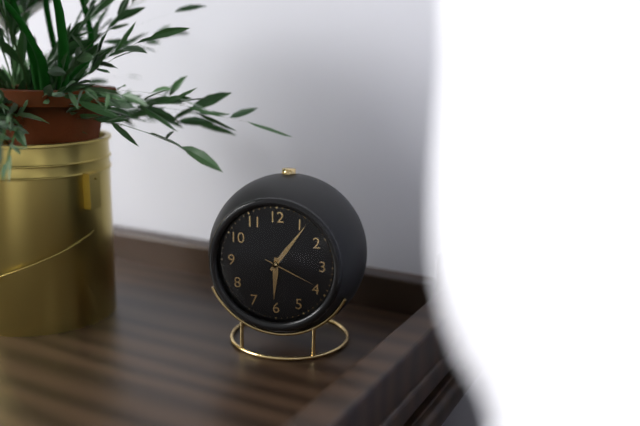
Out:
h=6 m=6 s=19
